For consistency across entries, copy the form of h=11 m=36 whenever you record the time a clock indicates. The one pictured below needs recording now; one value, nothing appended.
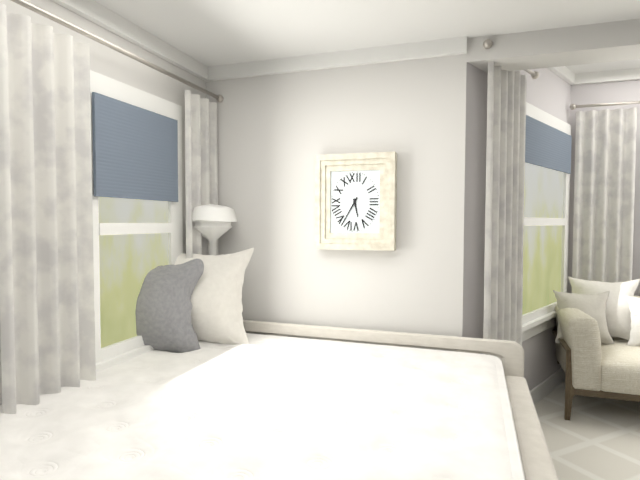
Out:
h=5 m=35
